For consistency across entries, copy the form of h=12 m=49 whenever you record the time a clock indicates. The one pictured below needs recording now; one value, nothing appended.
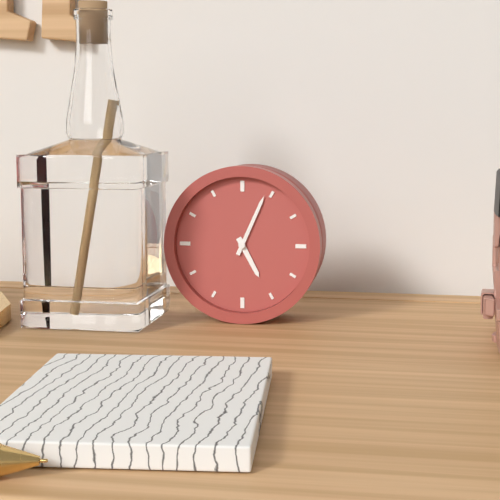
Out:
h=5 m=4
